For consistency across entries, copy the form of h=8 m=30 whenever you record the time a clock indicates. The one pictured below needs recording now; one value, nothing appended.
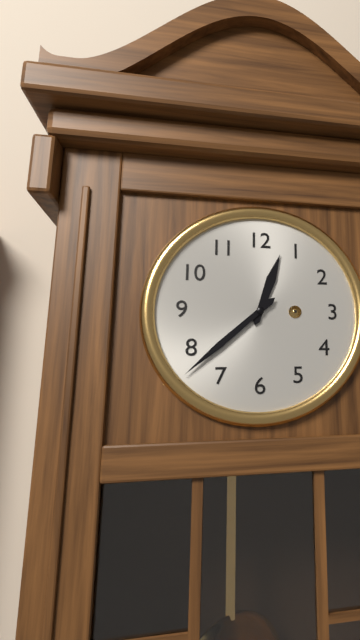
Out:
h=12 m=38
